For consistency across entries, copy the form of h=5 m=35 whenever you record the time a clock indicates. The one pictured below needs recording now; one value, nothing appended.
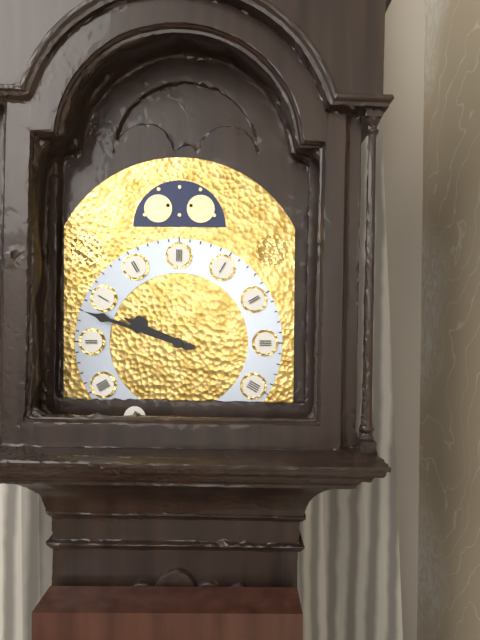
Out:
h=9 m=48
